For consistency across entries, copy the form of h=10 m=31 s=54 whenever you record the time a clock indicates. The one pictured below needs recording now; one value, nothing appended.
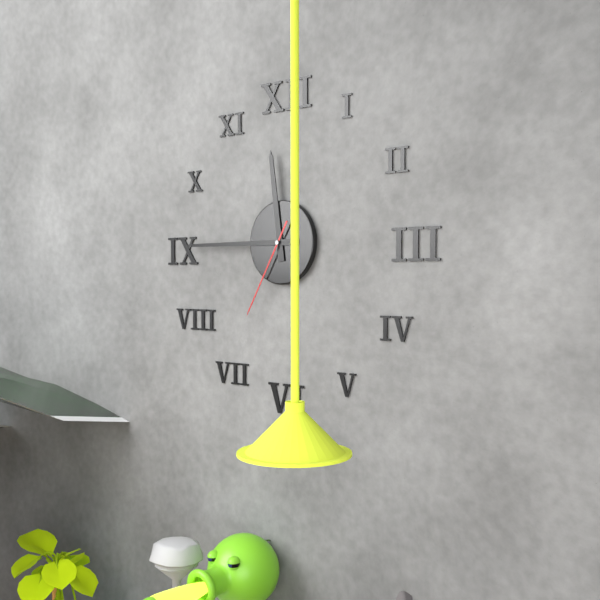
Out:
h=11 m=45 s=35
